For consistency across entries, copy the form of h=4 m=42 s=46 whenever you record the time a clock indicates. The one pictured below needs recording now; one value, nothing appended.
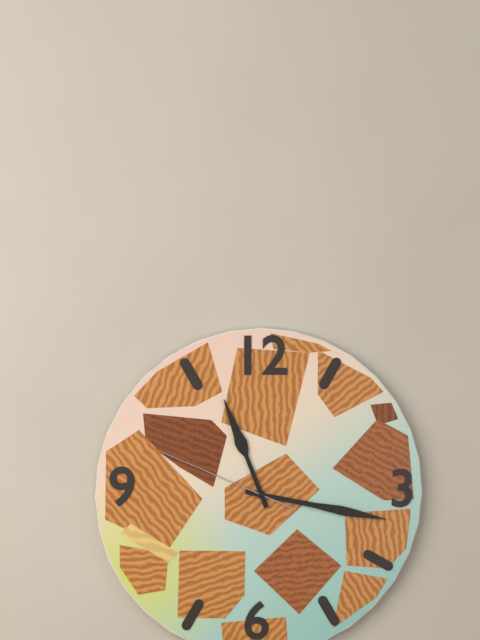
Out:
h=11 m=17 s=49
